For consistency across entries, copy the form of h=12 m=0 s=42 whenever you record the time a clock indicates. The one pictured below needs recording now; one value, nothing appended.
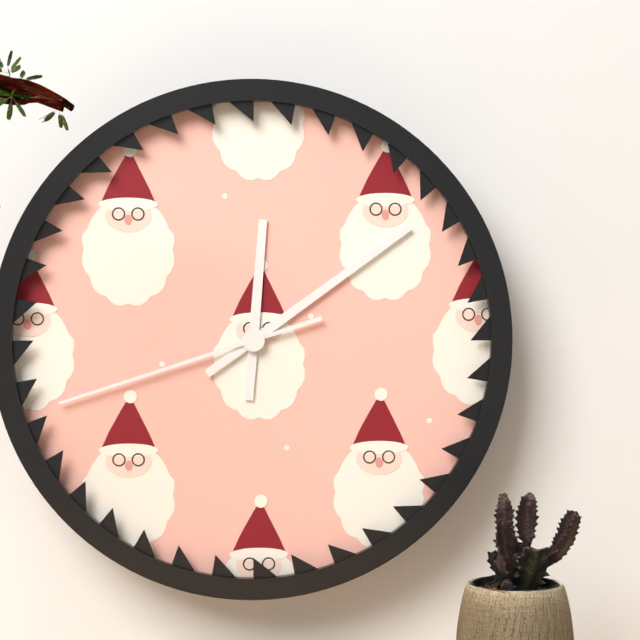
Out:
h=12 m=9 s=42
